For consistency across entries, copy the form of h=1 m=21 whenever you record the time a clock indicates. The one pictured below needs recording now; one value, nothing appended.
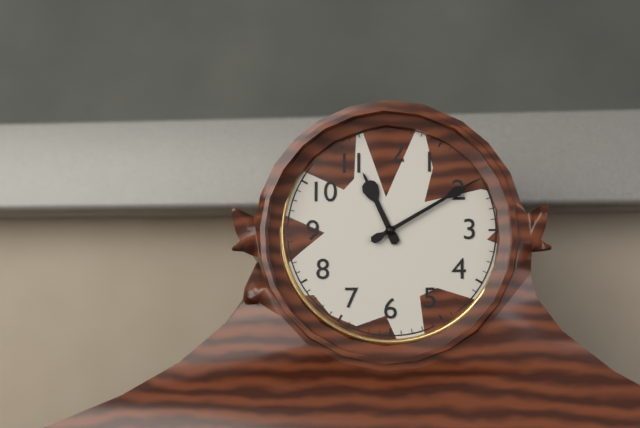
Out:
h=11 m=10
